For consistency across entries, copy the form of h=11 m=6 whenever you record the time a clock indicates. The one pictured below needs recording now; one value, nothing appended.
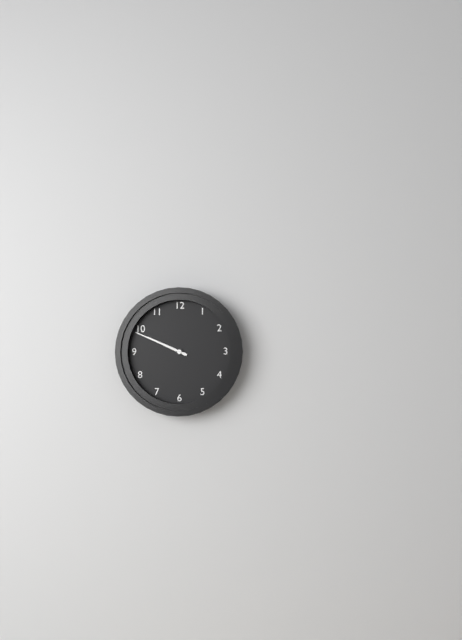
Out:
h=9 m=49
